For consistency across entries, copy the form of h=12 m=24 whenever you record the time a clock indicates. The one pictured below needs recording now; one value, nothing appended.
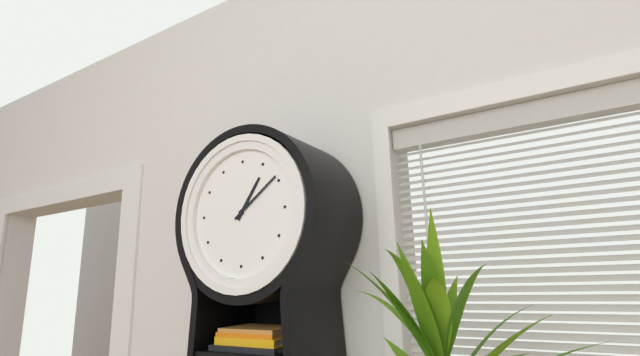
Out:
h=1 m=9
